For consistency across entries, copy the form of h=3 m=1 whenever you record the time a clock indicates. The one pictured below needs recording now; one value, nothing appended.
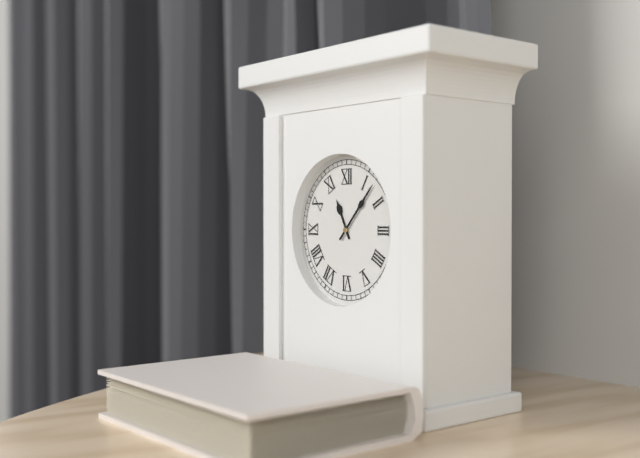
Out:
h=11 m=7
